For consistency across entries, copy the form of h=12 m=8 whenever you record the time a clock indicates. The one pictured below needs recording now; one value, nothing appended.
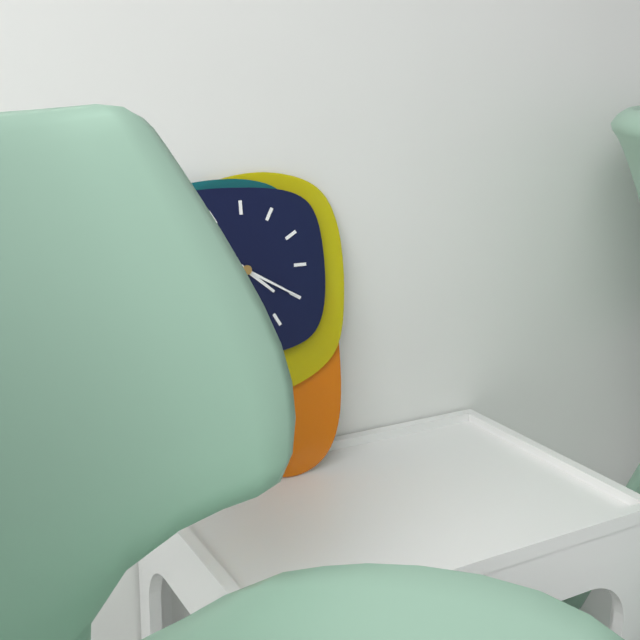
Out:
h=4 m=20
